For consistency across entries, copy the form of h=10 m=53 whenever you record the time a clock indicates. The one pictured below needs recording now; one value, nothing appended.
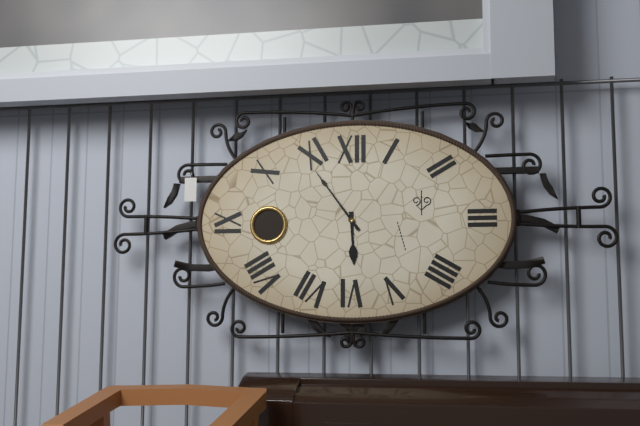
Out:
h=5 m=54
